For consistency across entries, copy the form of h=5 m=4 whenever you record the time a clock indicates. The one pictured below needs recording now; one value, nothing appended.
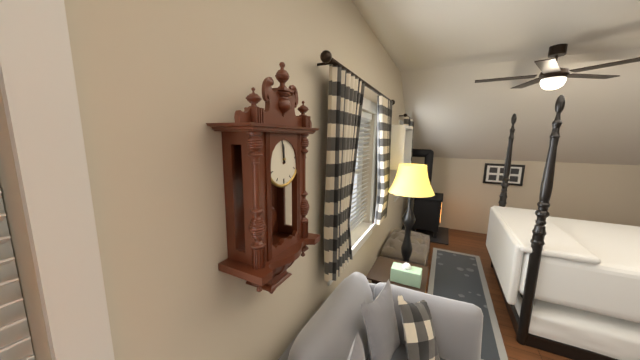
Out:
h=11 m=58
